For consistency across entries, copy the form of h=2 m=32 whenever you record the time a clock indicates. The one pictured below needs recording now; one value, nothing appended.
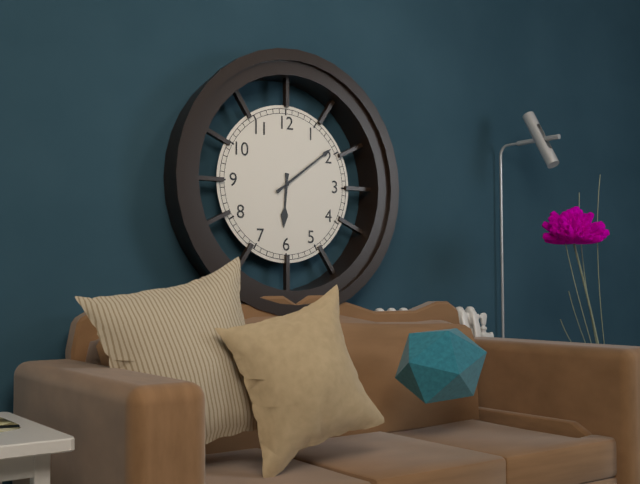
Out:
h=6 m=9
